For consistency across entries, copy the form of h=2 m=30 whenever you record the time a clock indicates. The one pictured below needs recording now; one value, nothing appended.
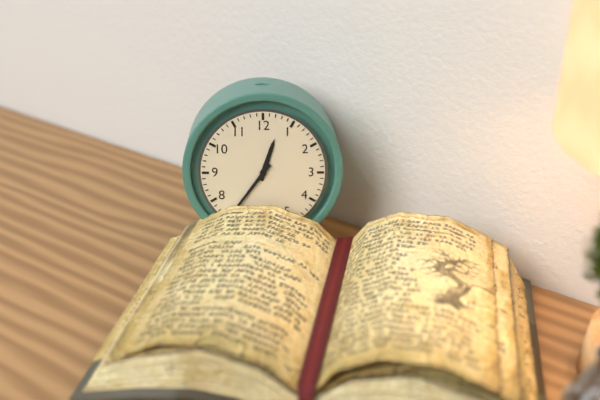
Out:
h=12 m=36
